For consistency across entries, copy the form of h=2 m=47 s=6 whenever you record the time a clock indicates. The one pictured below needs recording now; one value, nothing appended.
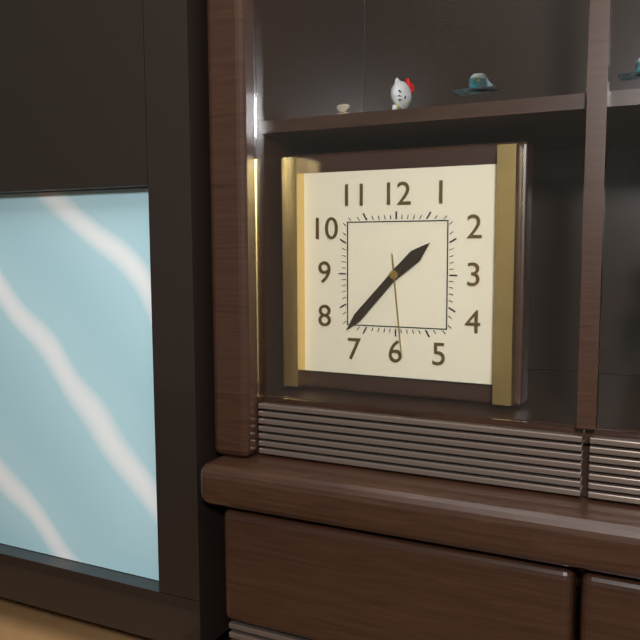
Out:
h=1 m=37 s=29
